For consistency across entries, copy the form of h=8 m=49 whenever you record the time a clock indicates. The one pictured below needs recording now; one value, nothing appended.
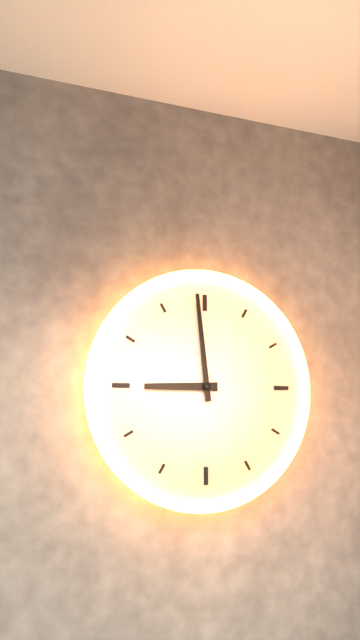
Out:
h=8 m=59
